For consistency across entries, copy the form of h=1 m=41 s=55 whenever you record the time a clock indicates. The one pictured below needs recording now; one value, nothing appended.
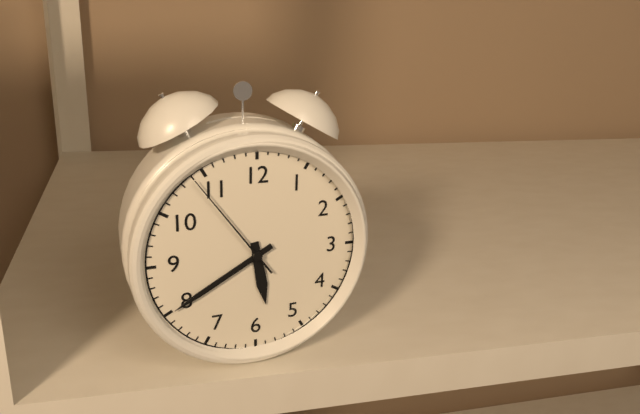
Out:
h=5 m=40 s=54
